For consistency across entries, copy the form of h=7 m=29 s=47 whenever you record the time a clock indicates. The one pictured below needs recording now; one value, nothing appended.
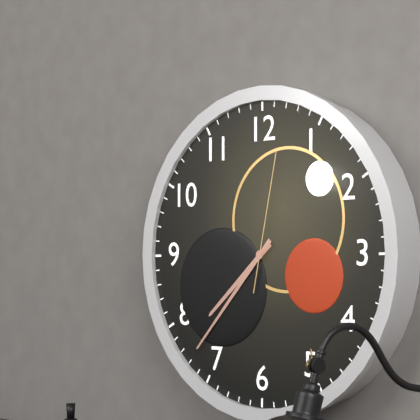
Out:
h=7 m=37 s=2
